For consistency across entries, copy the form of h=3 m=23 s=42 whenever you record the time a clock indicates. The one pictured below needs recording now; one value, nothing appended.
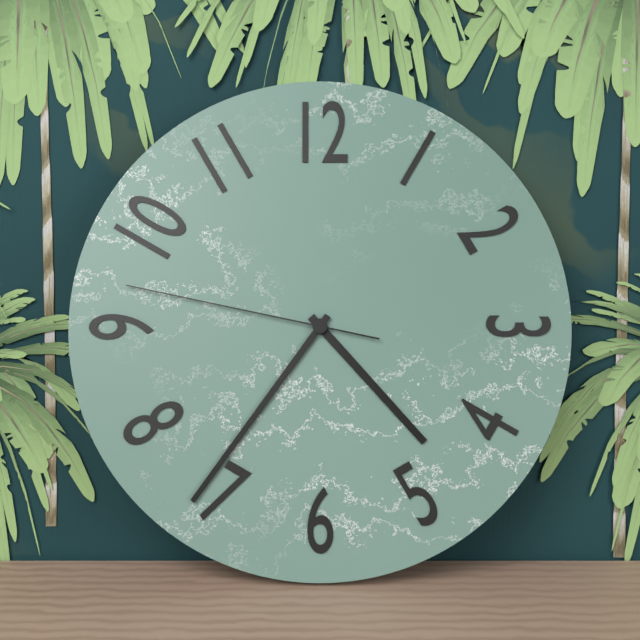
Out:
h=4 m=36 s=47
